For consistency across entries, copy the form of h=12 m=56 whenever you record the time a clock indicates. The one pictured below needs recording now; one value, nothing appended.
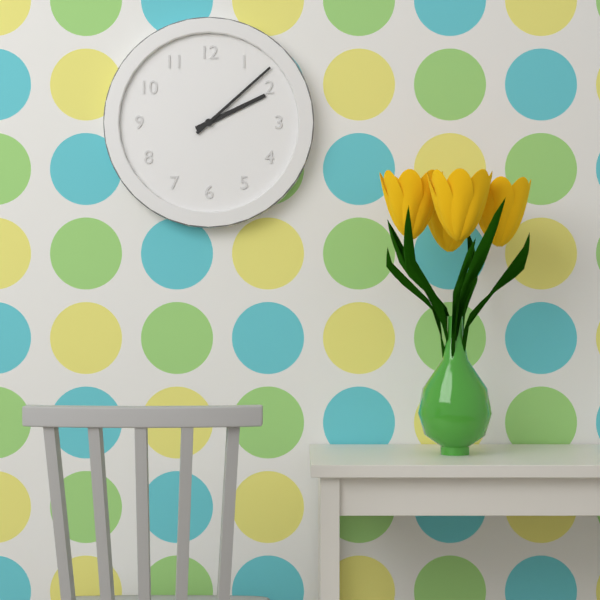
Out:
h=2 m=8
